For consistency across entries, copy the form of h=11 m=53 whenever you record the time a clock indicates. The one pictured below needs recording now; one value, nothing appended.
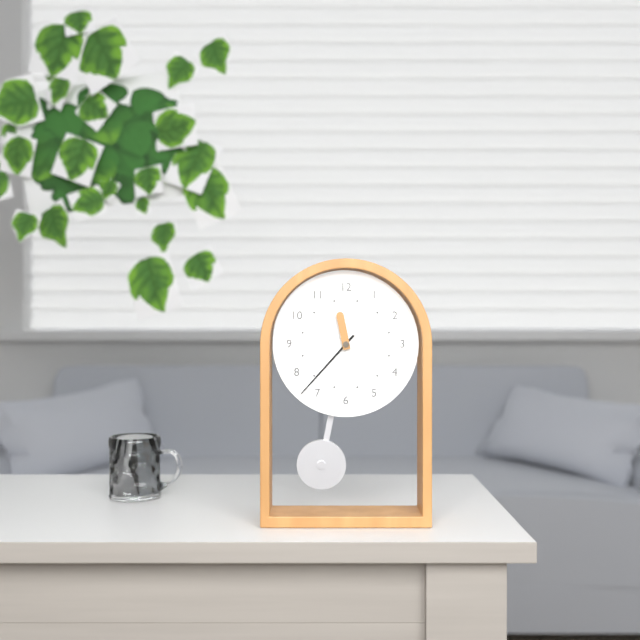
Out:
h=11 m=37
